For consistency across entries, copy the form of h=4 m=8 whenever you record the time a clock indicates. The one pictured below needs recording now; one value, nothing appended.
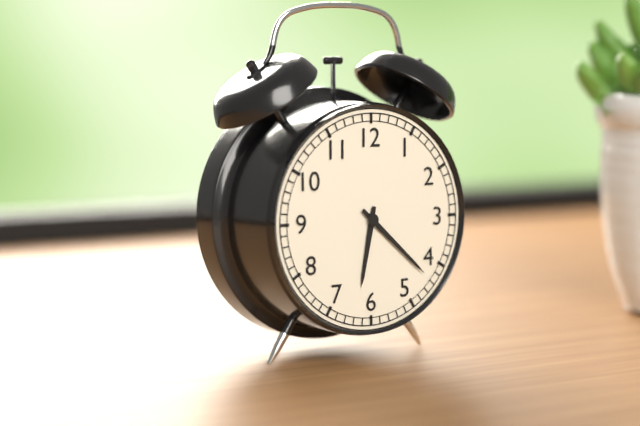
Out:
h=6 m=22
